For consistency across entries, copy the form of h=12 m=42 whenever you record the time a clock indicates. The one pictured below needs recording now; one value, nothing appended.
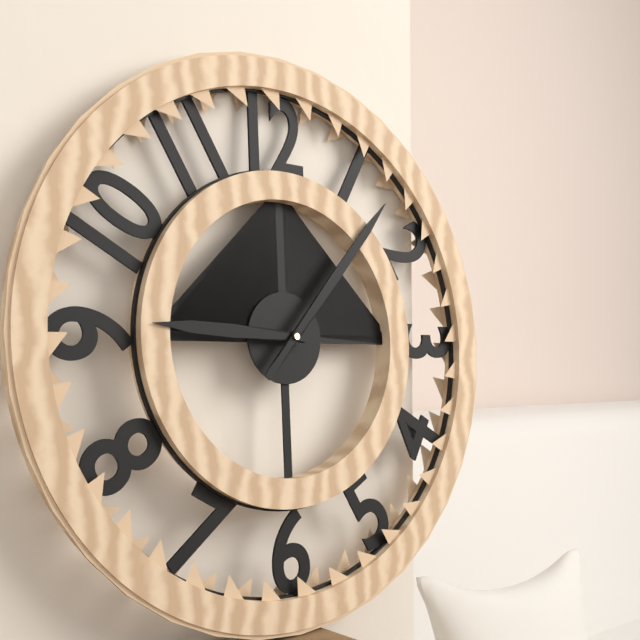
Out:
h=9 m=7
